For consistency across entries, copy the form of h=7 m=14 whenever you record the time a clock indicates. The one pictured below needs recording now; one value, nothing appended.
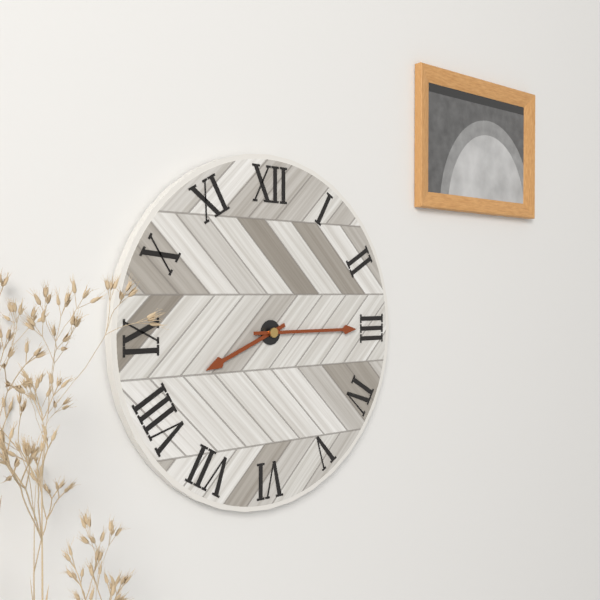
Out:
h=8 m=15
